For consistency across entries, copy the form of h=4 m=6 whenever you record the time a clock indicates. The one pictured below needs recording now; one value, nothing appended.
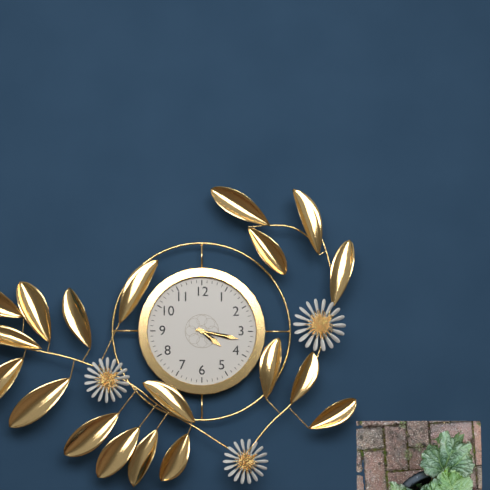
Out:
h=4 m=17
